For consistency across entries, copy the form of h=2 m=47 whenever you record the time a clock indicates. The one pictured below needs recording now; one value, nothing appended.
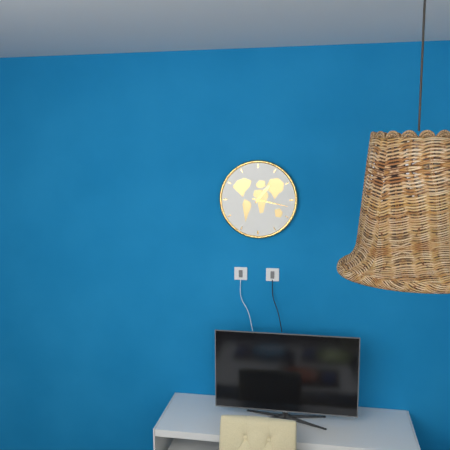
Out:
h=1 m=17
